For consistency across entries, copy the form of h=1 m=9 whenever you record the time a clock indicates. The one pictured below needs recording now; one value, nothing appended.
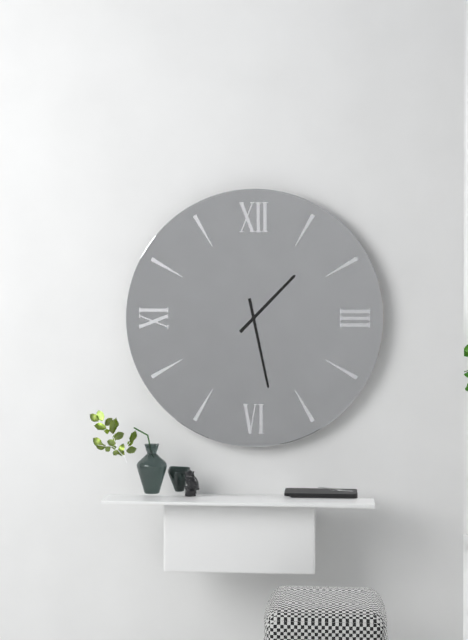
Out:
h=1 m=28
